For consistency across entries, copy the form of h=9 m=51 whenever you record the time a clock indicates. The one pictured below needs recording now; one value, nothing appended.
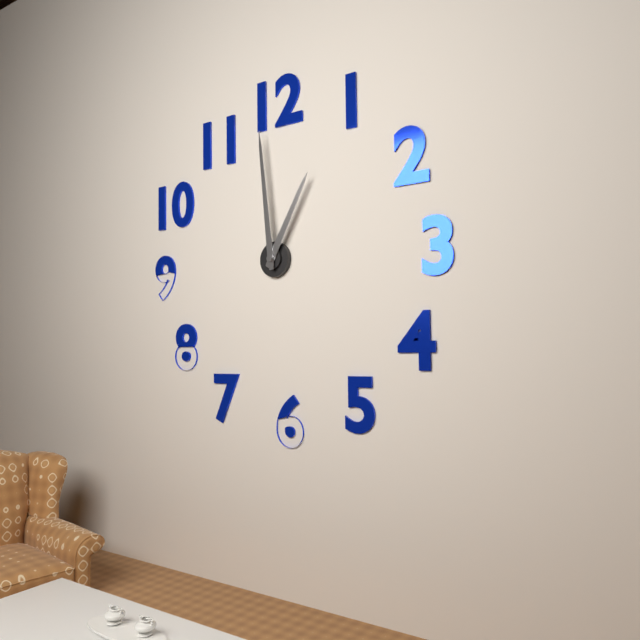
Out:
h=12 m=59
